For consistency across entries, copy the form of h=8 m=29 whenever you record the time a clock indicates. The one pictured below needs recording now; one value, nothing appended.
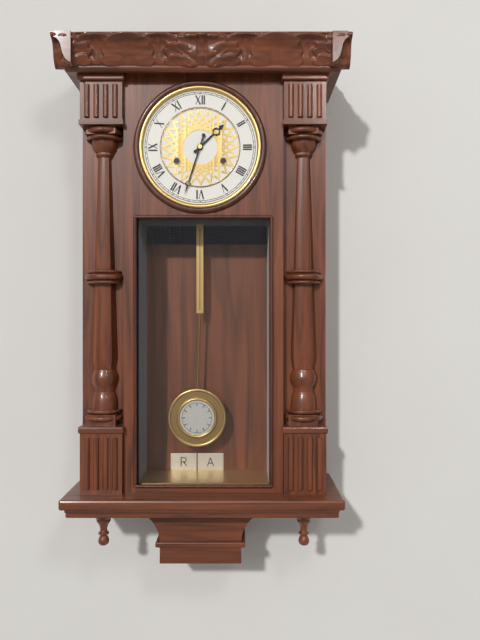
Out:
h=1 m=33
